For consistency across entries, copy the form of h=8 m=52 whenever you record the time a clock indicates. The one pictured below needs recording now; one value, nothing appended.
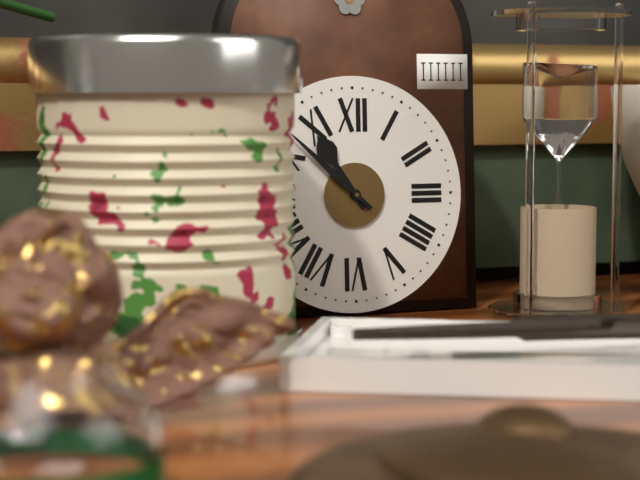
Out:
h=10 m=52
